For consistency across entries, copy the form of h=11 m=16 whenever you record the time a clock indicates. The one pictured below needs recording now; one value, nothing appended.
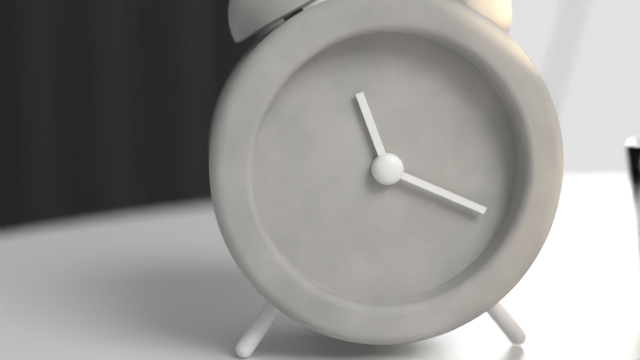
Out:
h=11 m=19
